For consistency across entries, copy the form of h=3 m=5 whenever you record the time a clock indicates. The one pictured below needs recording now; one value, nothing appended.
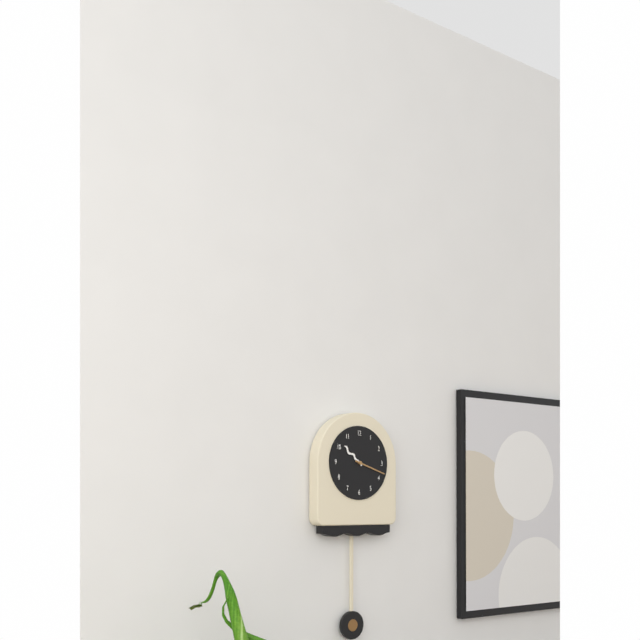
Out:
h=10 m=18
